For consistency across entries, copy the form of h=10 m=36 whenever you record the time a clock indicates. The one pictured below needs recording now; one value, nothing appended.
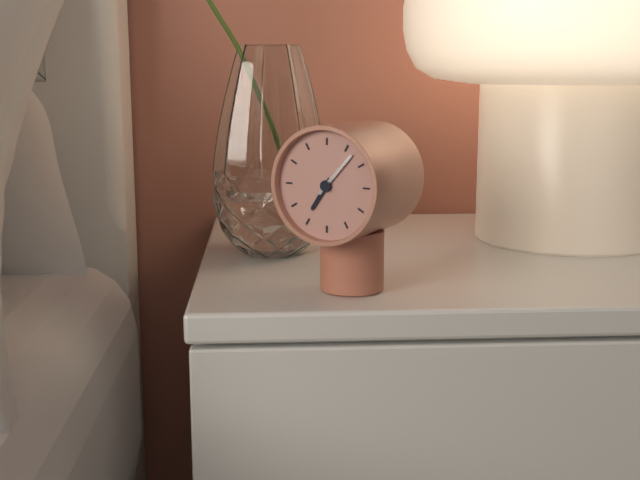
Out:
h=7 m=7
